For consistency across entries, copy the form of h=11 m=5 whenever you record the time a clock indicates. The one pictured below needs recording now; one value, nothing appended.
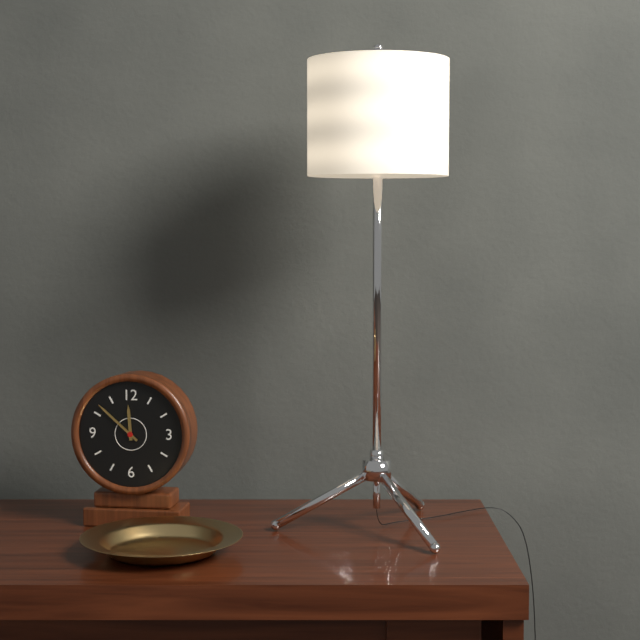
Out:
h=11 m=52
